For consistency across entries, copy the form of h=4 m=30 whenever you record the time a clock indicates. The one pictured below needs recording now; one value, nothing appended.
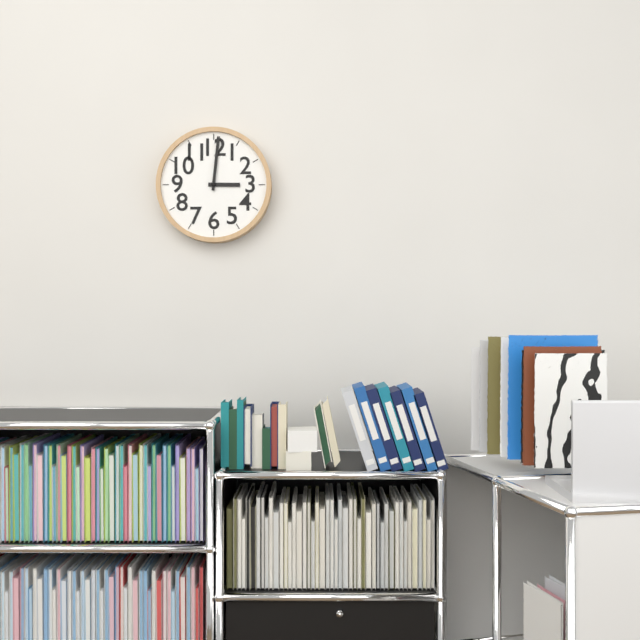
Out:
h=3 m=1
